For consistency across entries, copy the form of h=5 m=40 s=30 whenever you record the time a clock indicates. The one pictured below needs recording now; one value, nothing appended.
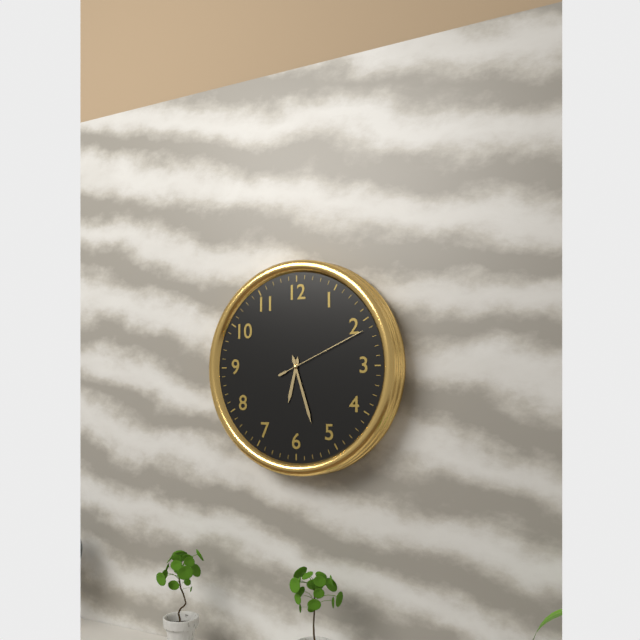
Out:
h=6 m=27 s=11
